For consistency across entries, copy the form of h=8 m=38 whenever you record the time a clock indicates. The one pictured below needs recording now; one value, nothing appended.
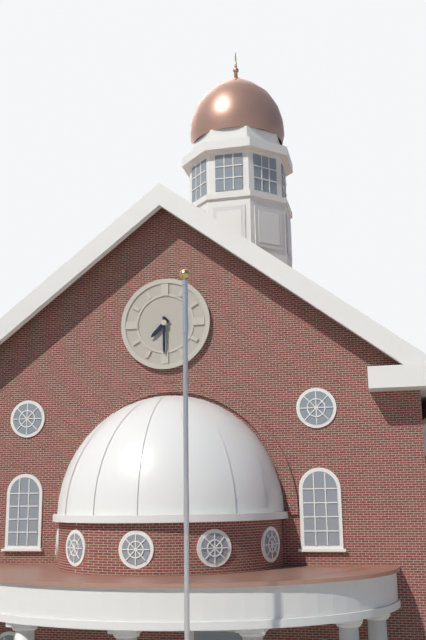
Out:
h=7 m=30
